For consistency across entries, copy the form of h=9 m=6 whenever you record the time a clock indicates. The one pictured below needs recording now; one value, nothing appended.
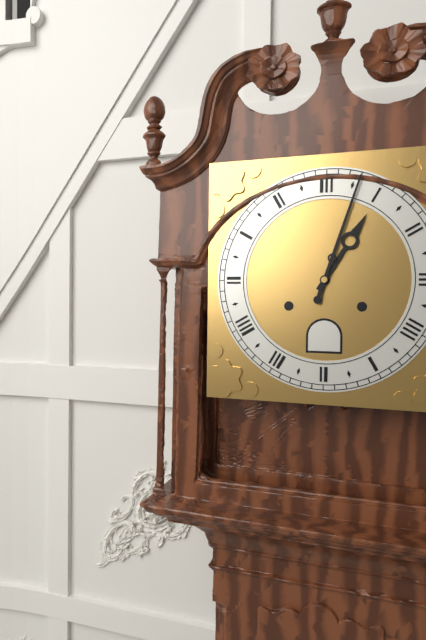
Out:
h=1 m=3
